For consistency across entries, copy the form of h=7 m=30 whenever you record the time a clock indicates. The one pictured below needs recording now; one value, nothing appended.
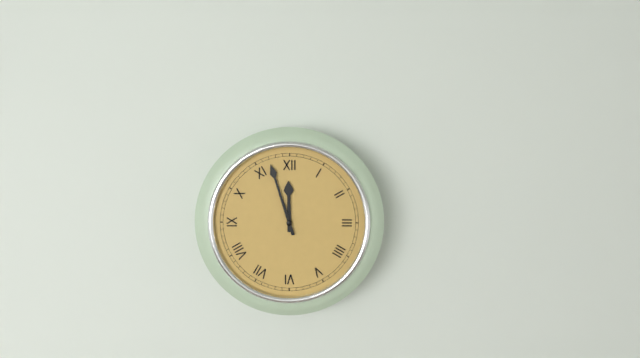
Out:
h=11 m=57
